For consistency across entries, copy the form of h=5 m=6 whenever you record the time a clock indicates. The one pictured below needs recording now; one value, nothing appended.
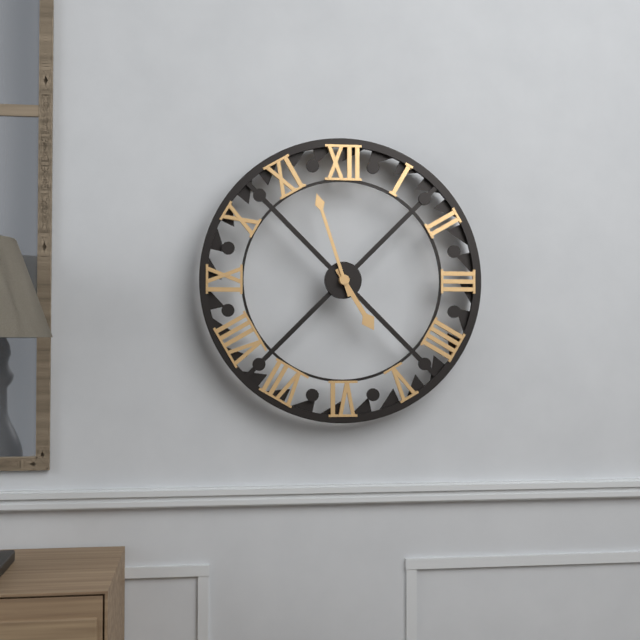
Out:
h=4 m=57
